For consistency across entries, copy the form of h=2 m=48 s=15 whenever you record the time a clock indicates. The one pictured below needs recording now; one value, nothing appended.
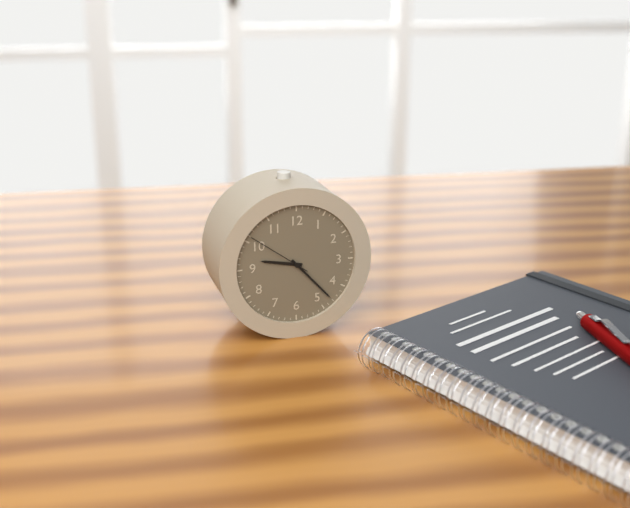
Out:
h=9 m=23 s=51
